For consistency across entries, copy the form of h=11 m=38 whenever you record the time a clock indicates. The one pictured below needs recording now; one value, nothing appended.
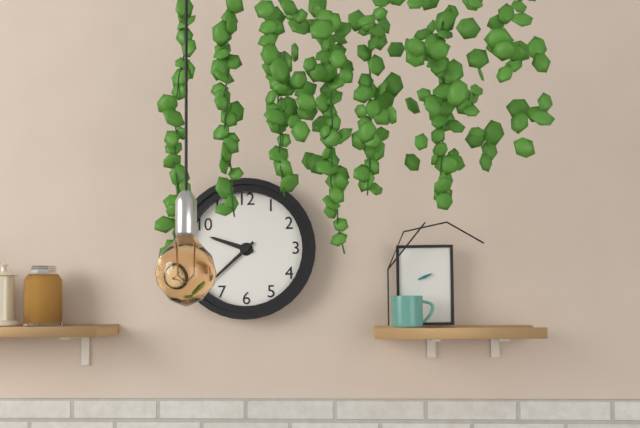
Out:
h=9 m=38
